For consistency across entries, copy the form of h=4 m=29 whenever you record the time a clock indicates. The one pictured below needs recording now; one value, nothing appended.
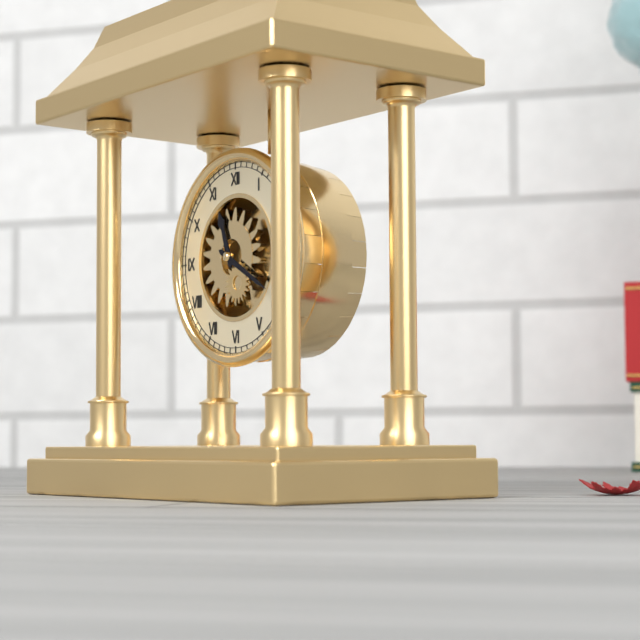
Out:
h=11 m=20
